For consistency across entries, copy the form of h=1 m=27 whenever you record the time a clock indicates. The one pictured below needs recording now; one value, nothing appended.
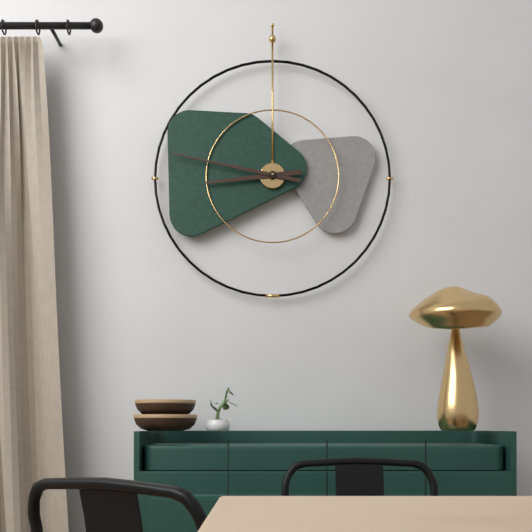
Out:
h=8 m=47
